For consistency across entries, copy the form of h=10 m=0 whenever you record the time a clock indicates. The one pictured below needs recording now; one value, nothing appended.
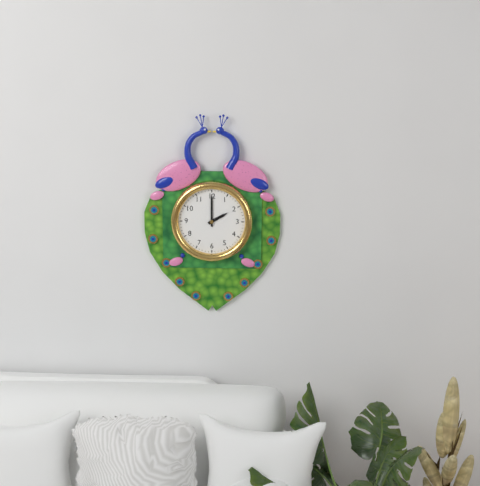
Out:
h=2 m=0
